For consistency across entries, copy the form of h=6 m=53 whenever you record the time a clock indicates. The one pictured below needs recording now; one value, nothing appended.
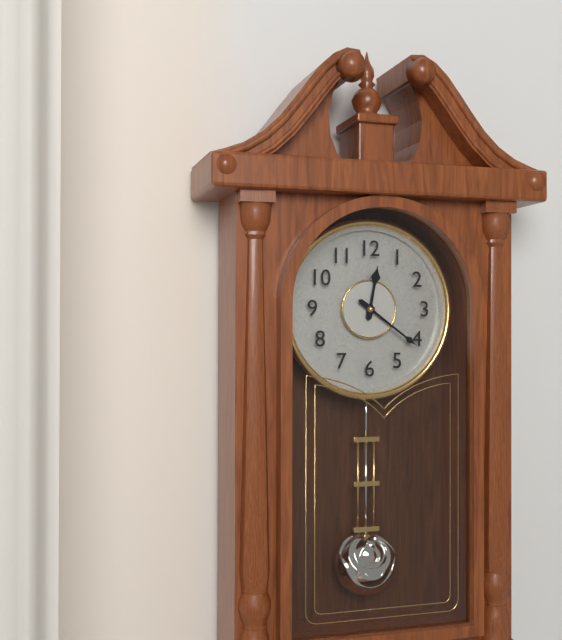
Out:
h=12 m=21
